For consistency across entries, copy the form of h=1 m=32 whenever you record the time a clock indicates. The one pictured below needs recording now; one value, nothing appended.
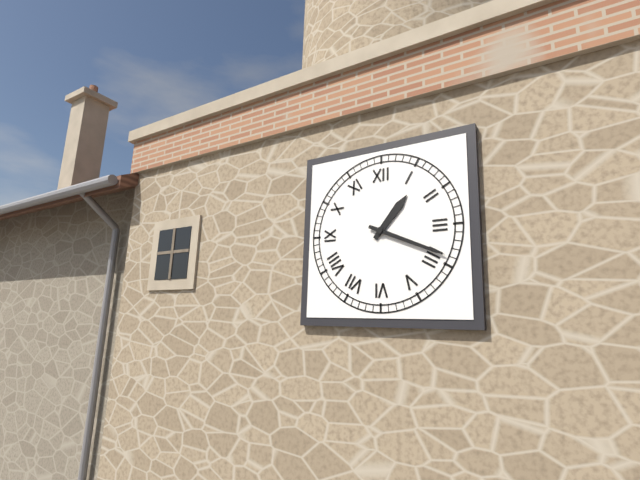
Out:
h=1 m=19
